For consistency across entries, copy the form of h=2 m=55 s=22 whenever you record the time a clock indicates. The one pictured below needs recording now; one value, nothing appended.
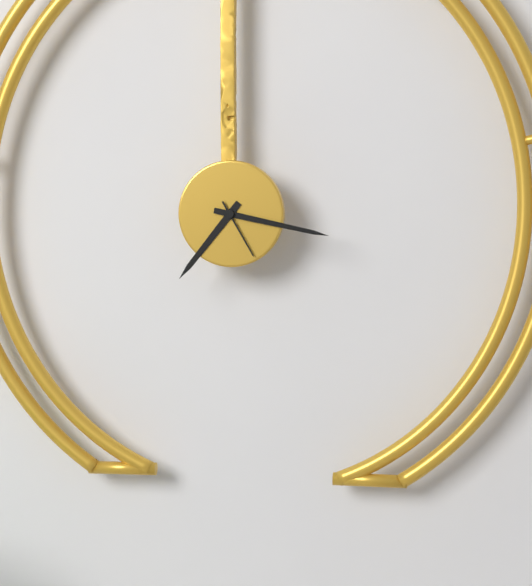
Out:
h=7 m=17 s=25
